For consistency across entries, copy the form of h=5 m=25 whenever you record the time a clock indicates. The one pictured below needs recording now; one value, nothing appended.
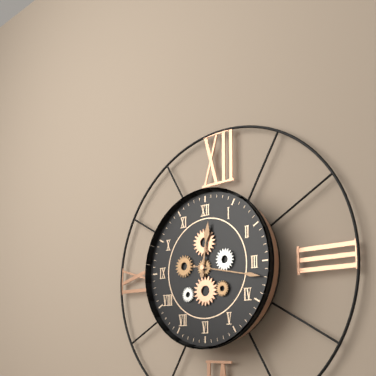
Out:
h=12 m=17
